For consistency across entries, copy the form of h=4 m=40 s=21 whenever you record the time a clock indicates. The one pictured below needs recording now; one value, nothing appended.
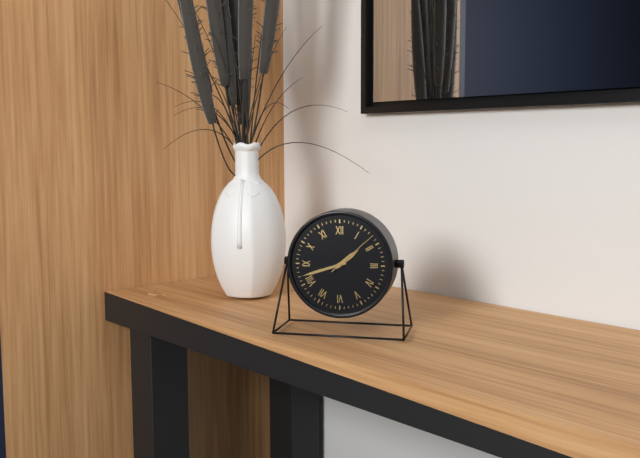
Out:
h=1 m=42 s=8
